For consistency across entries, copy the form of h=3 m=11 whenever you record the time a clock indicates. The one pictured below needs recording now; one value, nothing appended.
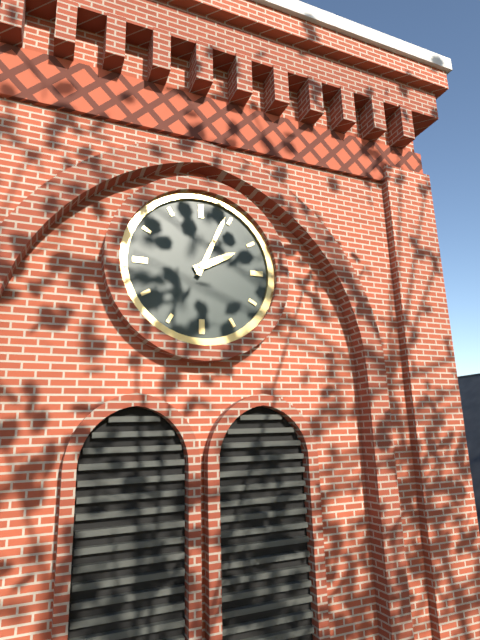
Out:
h=2 m=4
